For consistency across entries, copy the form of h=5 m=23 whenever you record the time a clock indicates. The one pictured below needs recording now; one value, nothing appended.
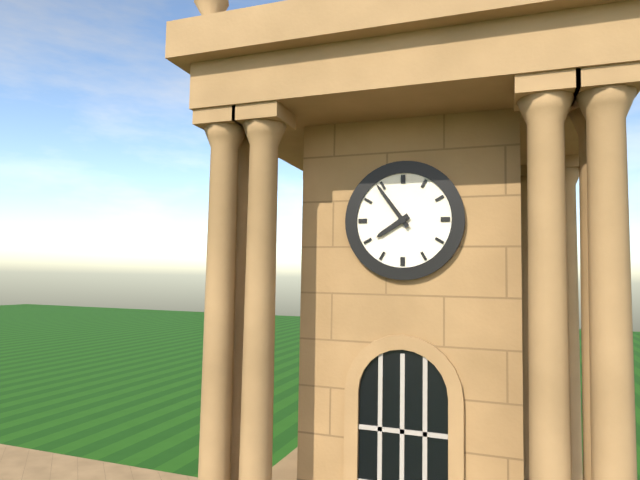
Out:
h=7 m=54
